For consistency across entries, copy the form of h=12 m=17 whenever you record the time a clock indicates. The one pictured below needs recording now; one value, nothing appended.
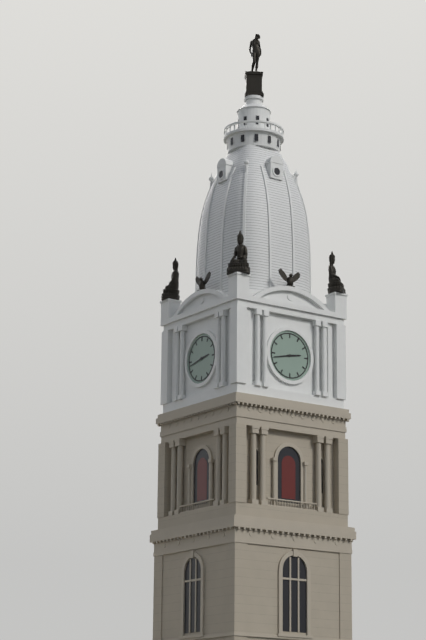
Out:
h=2 m=43
